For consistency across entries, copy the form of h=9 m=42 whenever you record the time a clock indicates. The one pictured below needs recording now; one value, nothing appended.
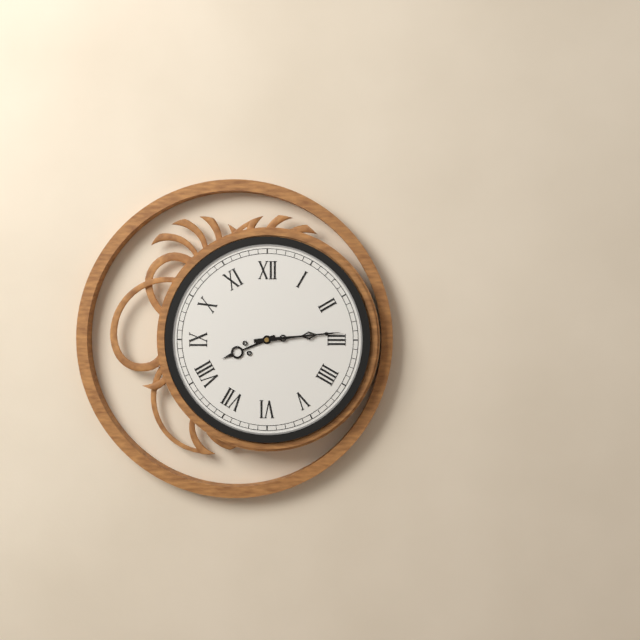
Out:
h=8 m=14
